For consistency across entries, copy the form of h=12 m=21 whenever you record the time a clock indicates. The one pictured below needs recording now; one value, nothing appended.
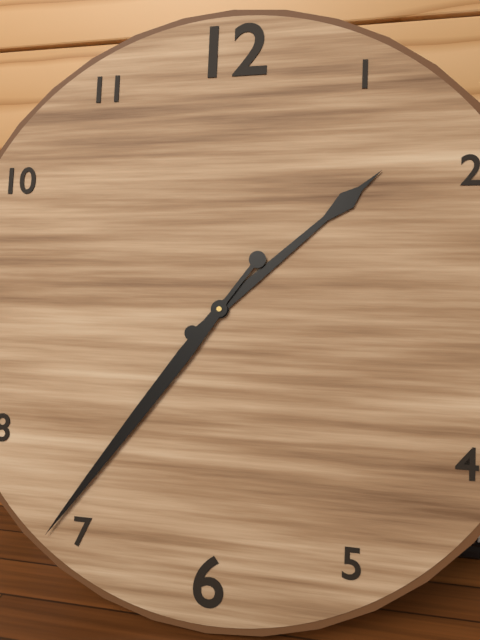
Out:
h=1 m=36
